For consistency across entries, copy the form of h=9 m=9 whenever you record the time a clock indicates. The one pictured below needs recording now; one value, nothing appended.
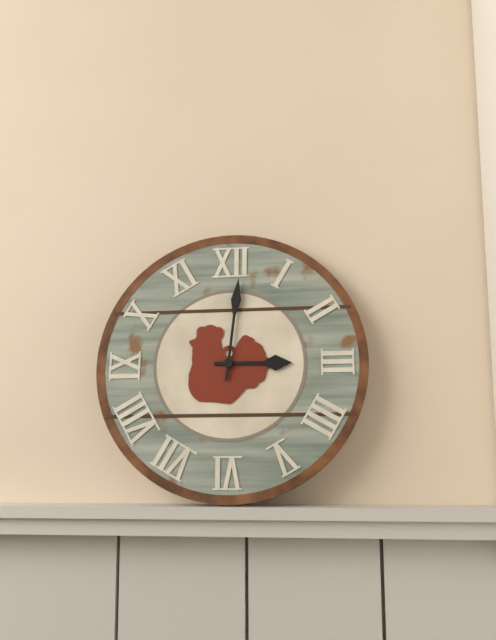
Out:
h=3 m=1
